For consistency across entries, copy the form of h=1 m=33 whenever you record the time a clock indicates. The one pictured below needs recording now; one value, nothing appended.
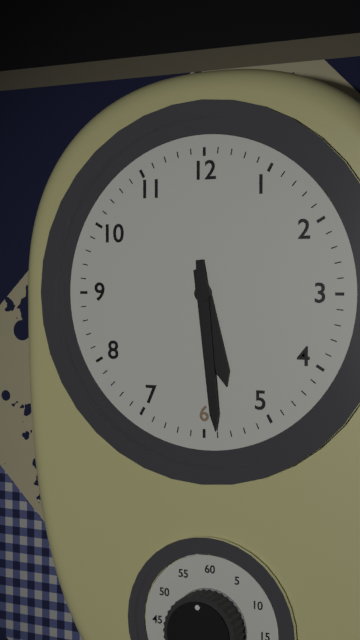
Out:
h=5 m=29
